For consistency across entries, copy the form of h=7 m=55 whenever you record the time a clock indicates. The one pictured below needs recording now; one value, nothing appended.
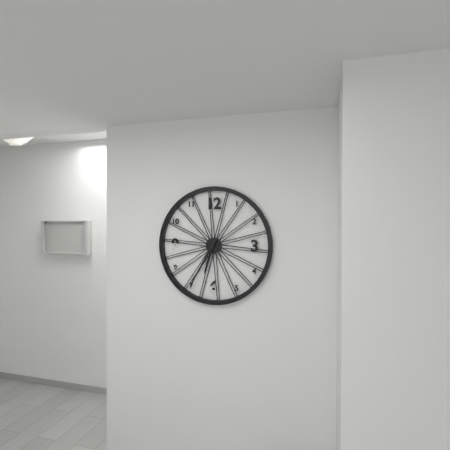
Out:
h=6 m=35
